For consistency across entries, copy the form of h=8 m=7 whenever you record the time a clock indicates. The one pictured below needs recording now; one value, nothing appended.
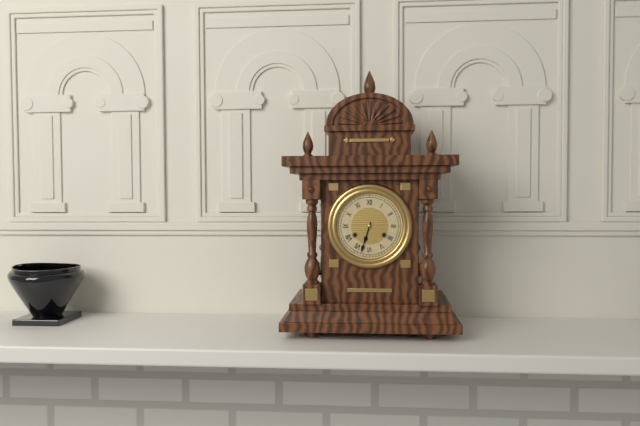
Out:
h=6 m=33
